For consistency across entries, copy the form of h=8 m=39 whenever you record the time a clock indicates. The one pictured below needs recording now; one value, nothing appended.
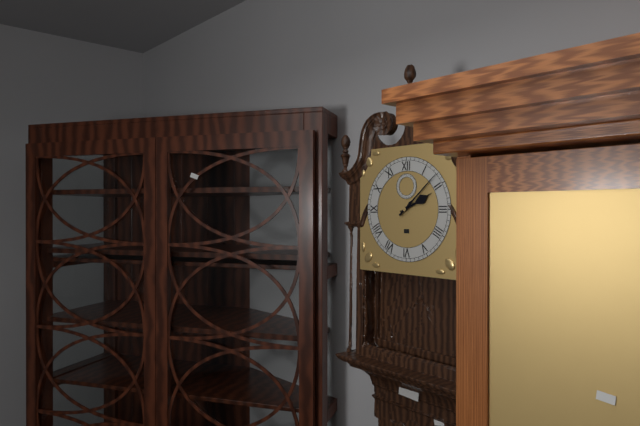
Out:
h=2 m=8
